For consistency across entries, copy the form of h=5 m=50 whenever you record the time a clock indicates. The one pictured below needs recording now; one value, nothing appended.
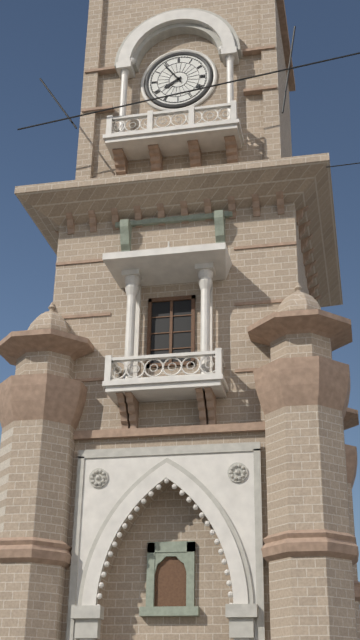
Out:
h=7 m=54
